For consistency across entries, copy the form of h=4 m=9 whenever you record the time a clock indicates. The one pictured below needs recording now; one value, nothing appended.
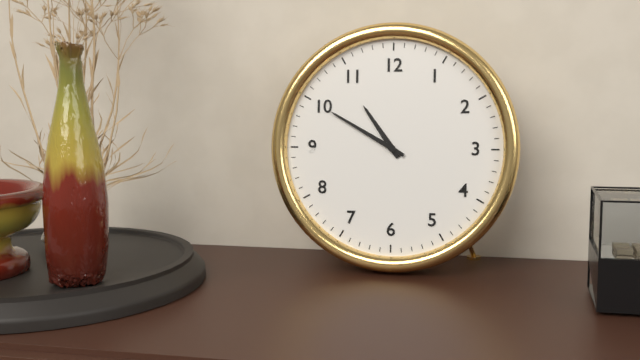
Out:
h=10 m=50
